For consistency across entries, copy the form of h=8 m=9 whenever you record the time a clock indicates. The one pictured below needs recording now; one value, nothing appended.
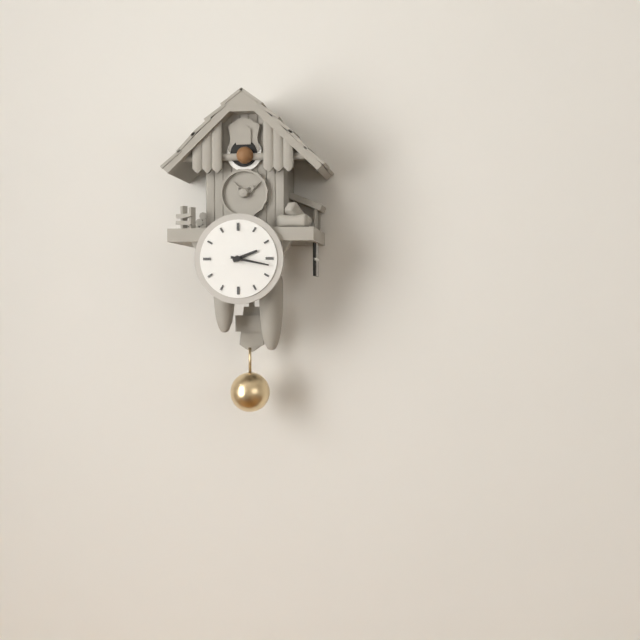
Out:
h=2 m=17
